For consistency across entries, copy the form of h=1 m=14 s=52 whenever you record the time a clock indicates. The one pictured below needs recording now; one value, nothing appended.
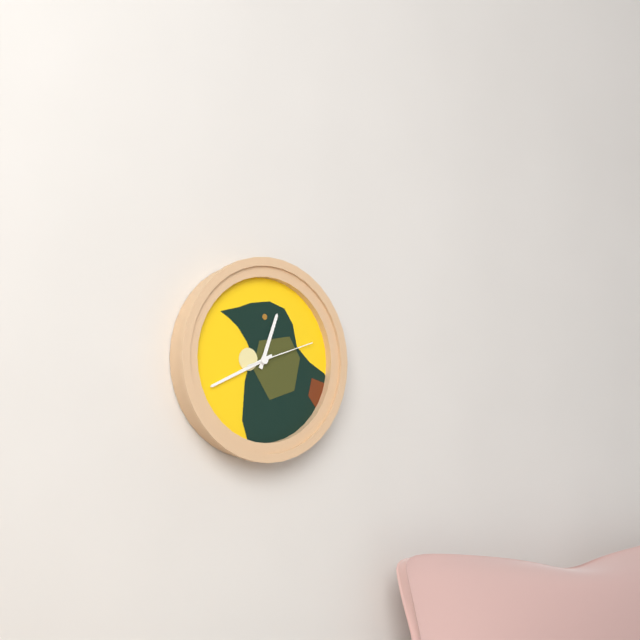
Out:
h=12 m=41 s=12
